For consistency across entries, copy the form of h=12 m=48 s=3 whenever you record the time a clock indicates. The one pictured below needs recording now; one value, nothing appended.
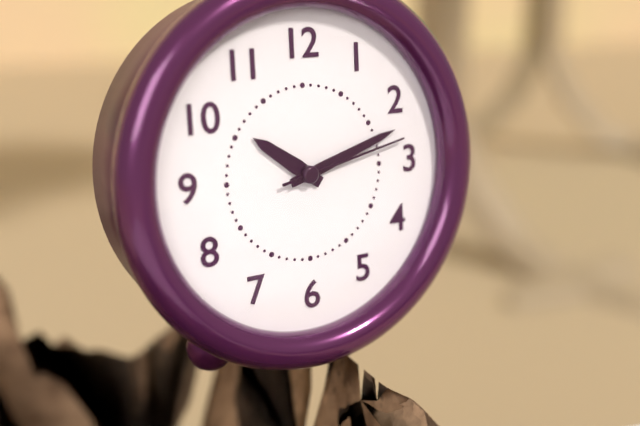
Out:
h=10 m=12 s=13
